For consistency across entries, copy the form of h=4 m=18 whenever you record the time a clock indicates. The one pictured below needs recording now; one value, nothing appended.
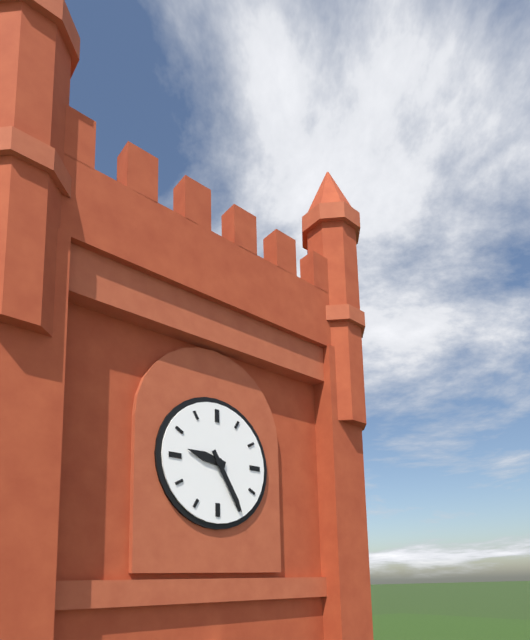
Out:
h=9 m=25
